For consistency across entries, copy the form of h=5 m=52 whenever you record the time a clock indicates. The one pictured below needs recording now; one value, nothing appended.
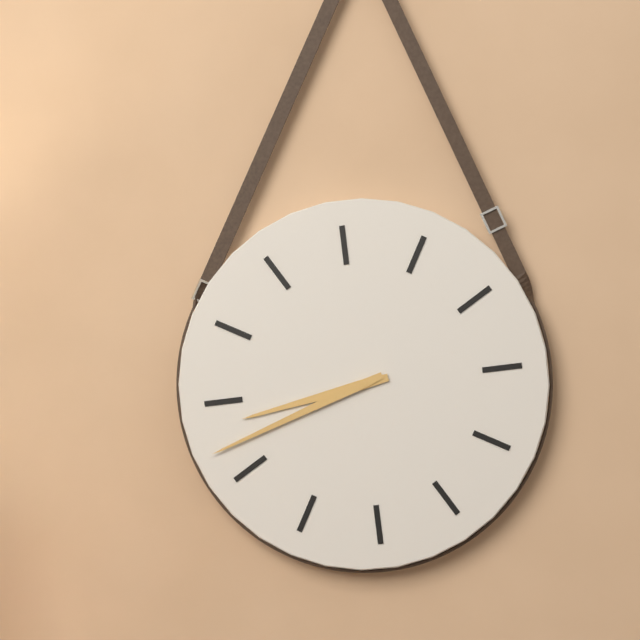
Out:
h=8 m=42
